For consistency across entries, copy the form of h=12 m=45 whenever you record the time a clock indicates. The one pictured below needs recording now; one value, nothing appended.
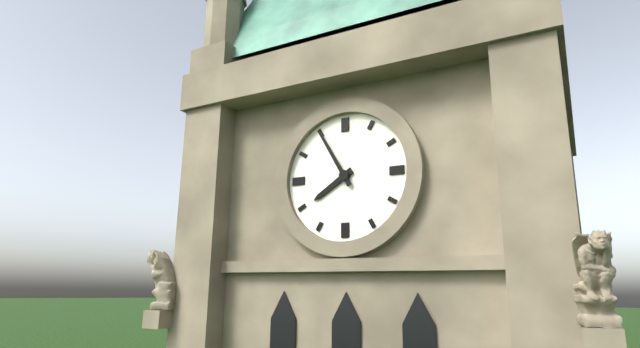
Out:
h=7 m=55
